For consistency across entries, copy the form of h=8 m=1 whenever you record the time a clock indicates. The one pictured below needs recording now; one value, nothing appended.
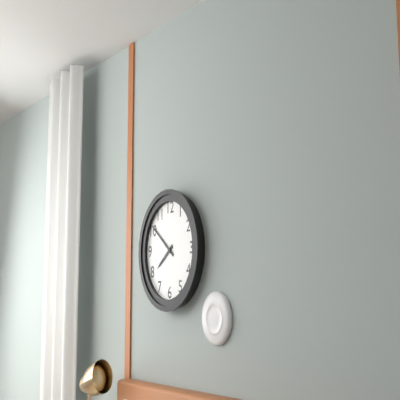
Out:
h=7 m=51
